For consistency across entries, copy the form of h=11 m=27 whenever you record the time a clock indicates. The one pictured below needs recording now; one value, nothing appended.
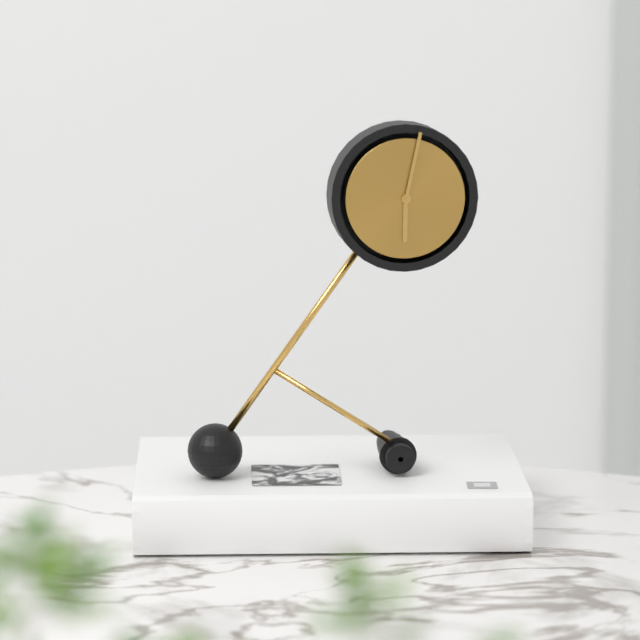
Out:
h=6 m=2
